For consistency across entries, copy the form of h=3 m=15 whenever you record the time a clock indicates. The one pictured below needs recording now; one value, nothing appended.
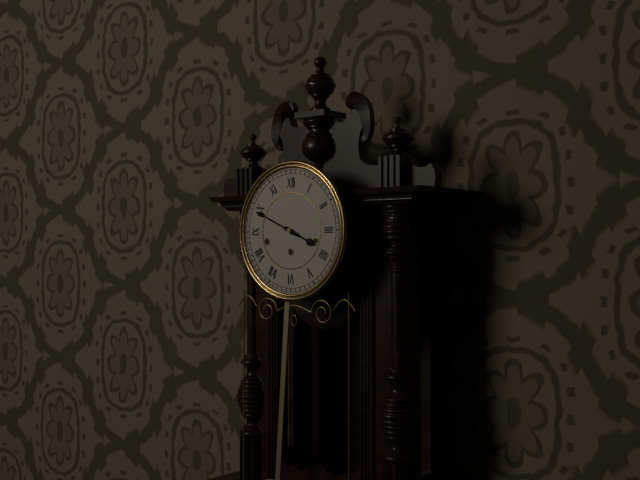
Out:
h=3 m=49
